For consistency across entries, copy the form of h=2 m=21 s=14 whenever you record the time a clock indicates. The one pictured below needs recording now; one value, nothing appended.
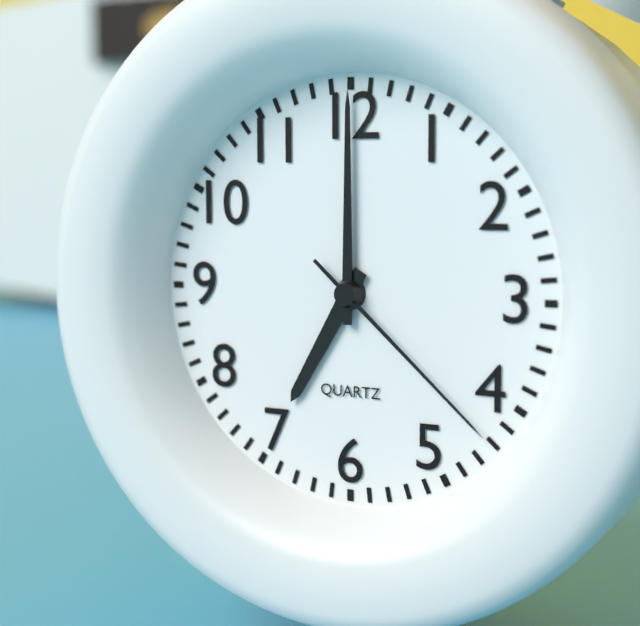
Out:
h=7 m=0 s=22
